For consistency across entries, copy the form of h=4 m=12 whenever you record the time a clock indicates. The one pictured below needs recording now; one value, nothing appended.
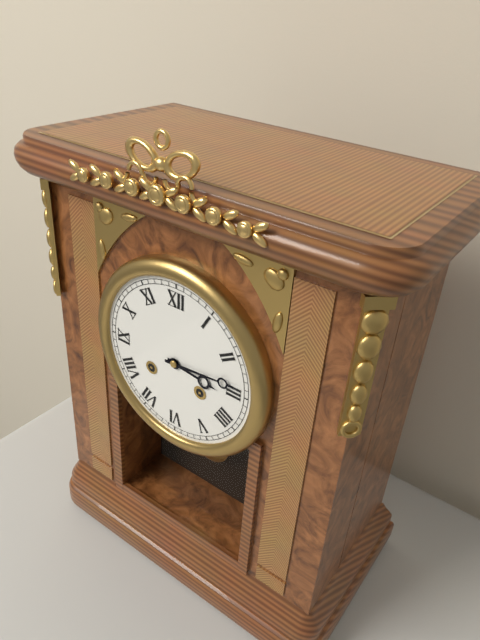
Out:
h=3 m=14
